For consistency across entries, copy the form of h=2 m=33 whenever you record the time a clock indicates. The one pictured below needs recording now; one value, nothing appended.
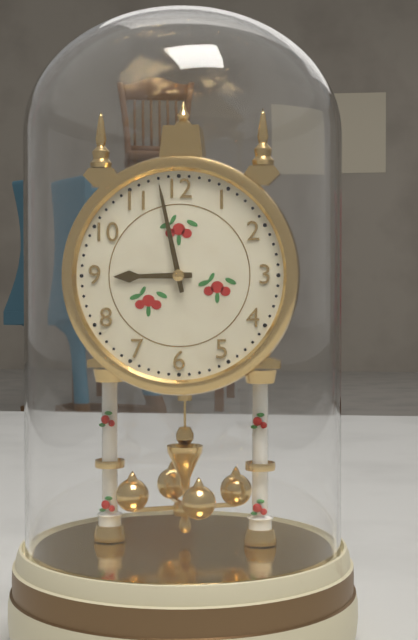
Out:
h=8 m=58
